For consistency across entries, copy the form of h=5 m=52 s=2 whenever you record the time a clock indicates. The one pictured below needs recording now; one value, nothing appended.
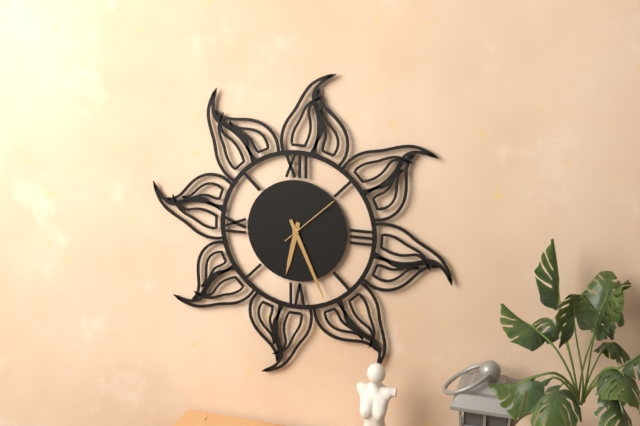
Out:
h=6 m=26 s=8
